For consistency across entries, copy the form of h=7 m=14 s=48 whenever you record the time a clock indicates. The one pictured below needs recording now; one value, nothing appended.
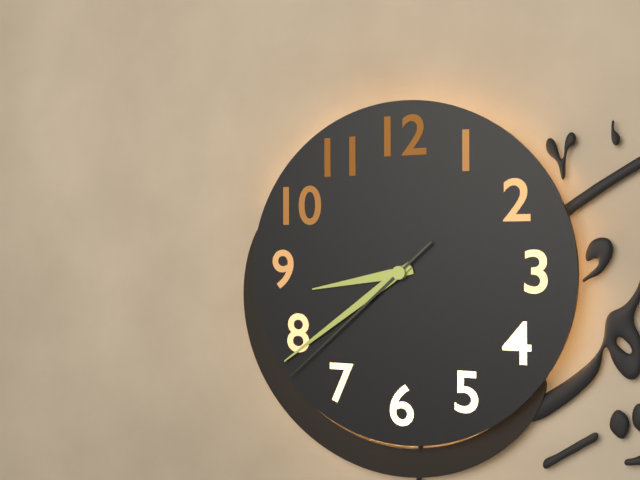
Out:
h=8 m=39 s=38
